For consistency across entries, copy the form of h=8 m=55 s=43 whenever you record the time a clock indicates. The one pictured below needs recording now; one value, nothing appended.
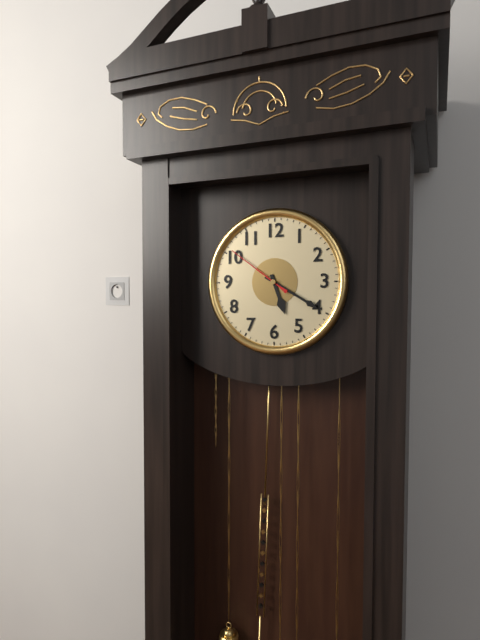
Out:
h=5 m=20 s=51
